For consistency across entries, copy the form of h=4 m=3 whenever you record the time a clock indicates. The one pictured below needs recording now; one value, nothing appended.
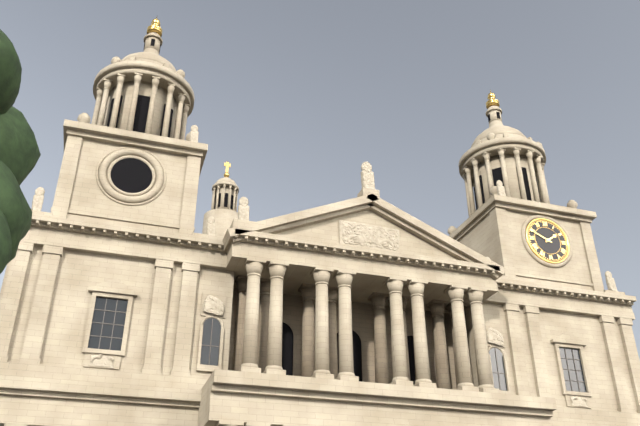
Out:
h=1 m=49
